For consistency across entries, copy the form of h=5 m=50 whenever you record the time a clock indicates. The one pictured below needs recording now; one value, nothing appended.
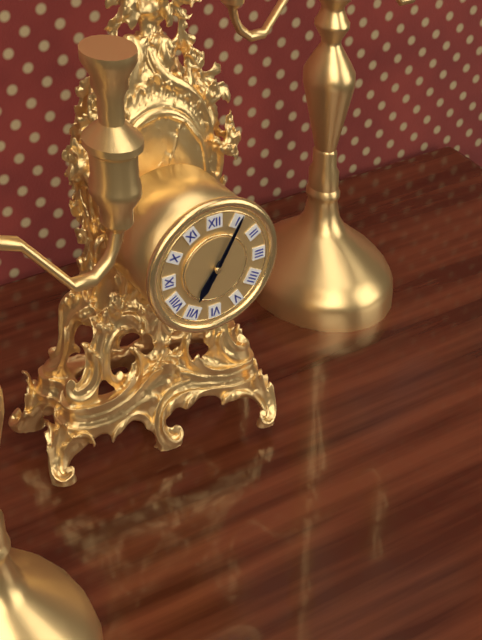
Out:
h=7 m=5
